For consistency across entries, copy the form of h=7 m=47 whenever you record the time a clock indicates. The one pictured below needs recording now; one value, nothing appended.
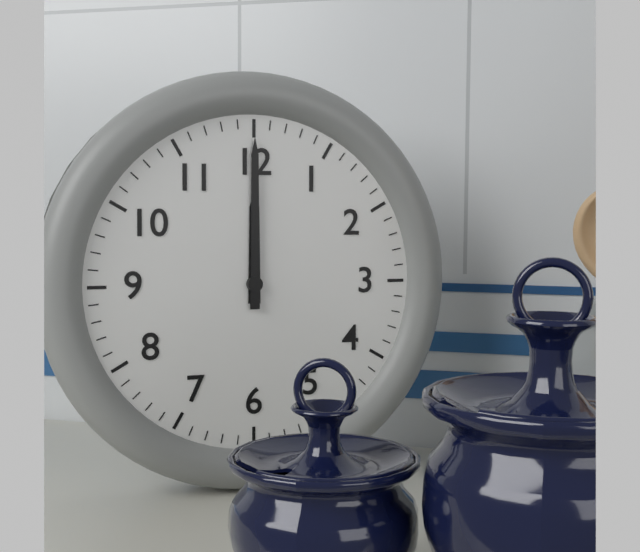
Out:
h=12 m=0
